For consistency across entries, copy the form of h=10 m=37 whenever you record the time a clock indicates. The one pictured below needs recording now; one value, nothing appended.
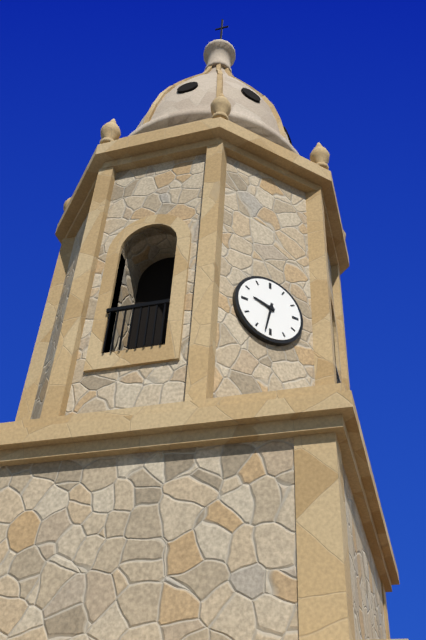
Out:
h=9 m=32
